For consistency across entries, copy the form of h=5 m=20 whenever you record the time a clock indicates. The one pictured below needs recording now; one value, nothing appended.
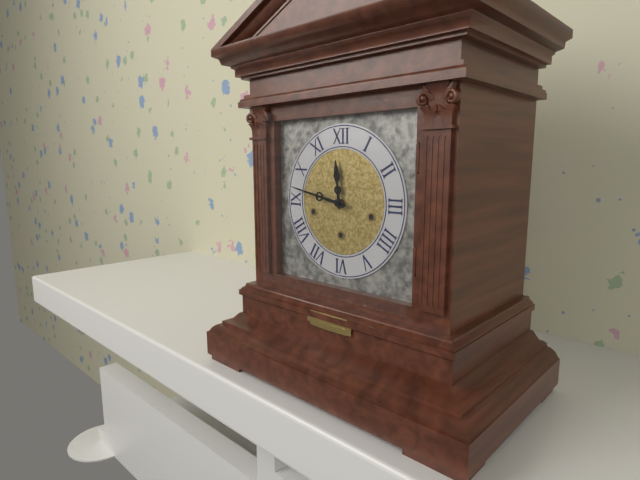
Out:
h=11 m=47
